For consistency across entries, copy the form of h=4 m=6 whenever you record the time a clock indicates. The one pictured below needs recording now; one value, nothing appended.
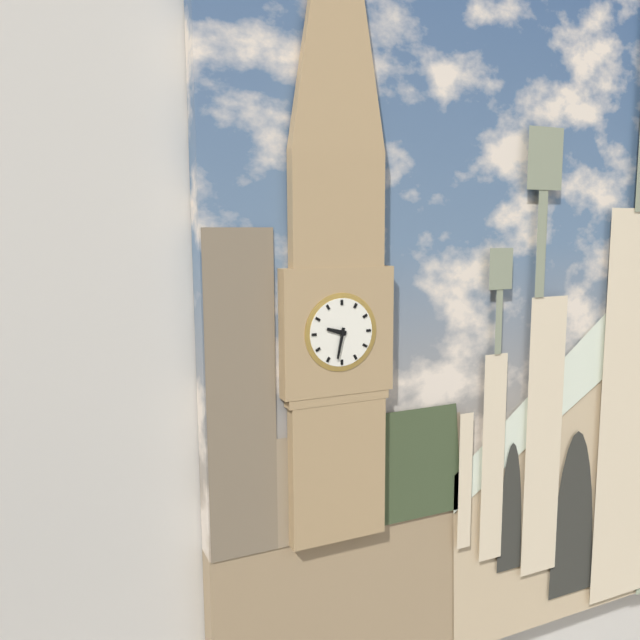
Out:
h=9 m=32
